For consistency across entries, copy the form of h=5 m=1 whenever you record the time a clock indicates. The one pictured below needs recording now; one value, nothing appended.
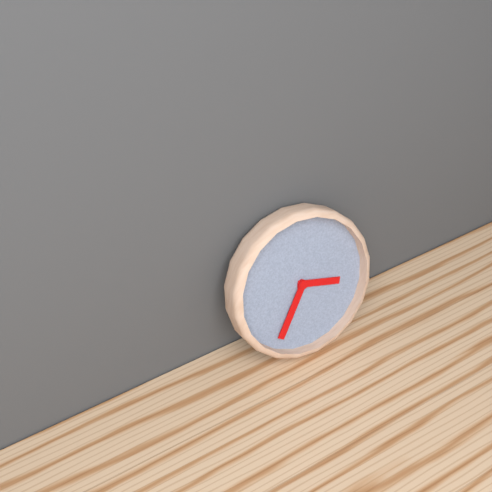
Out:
h=3 m=36
